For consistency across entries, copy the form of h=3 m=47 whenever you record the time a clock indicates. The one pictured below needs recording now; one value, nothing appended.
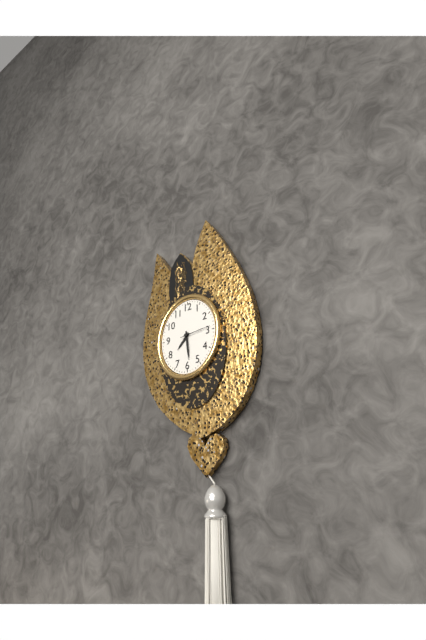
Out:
h=7 m=29
